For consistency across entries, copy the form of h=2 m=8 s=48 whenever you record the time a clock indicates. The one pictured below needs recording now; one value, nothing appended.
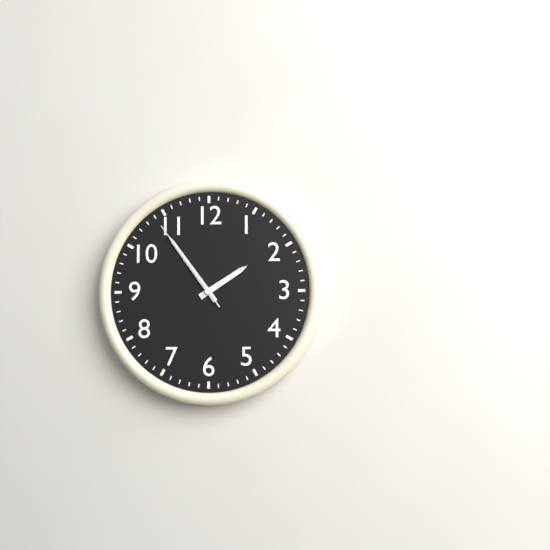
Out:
h=1 m=54 s=54
